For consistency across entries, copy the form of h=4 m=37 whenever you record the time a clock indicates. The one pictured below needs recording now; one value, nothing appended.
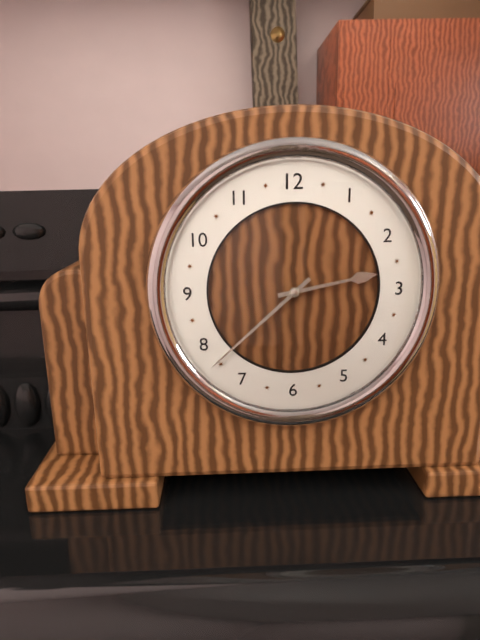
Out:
h=2 m=38
